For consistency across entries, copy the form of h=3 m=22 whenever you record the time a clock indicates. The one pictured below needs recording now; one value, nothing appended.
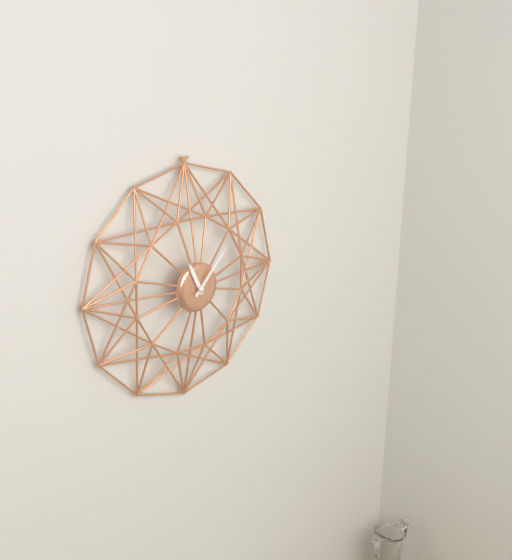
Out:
h=11 m=7
